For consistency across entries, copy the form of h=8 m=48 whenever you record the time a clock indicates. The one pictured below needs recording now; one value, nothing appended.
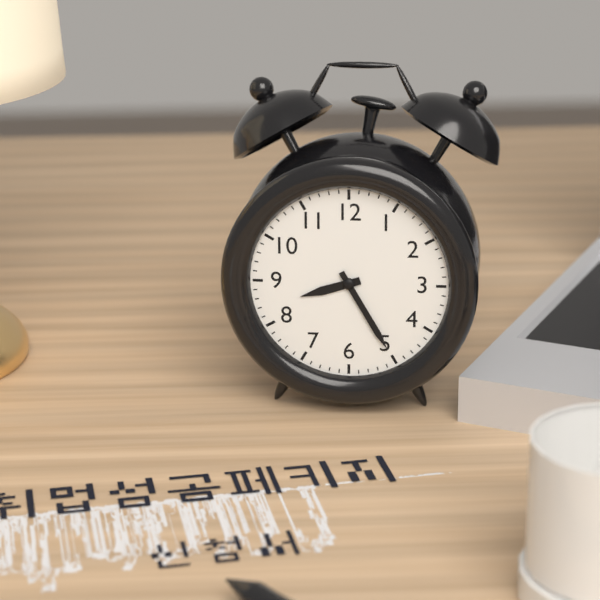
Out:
h=8 m=25
